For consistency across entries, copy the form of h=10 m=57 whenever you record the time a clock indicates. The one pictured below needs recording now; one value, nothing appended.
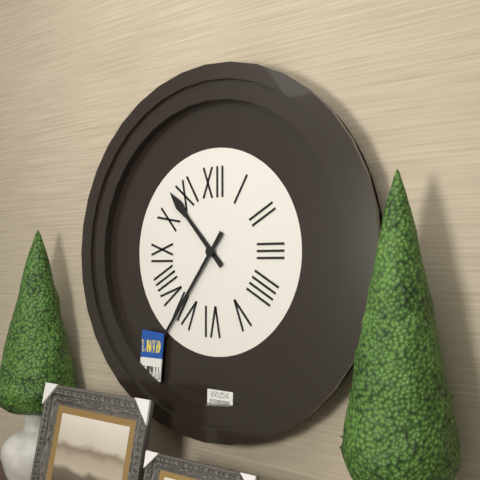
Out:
h=10 m=36
